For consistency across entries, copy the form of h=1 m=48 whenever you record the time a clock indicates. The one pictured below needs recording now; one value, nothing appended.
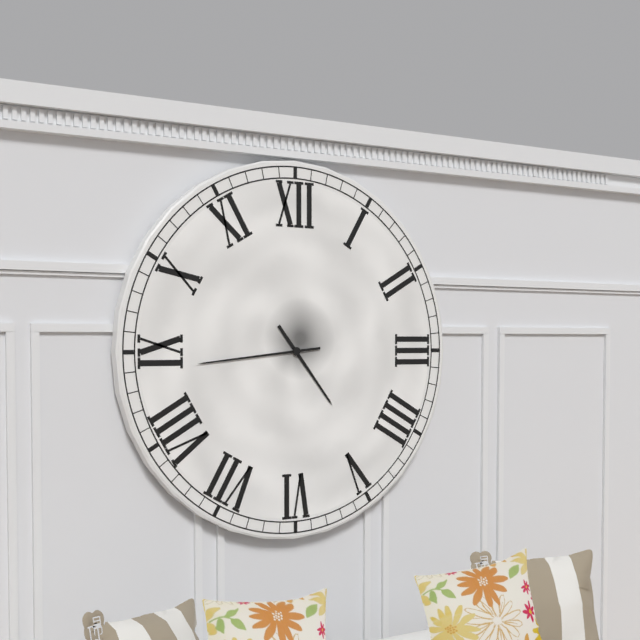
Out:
h=4 m=44
